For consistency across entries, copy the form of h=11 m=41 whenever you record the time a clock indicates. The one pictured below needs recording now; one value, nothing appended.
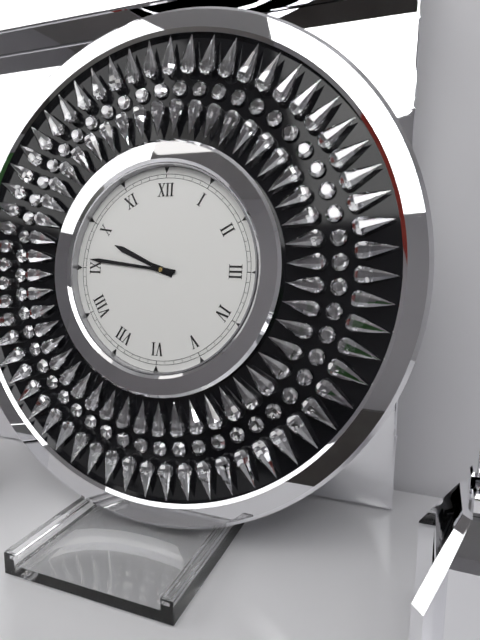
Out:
h=9 m=46
